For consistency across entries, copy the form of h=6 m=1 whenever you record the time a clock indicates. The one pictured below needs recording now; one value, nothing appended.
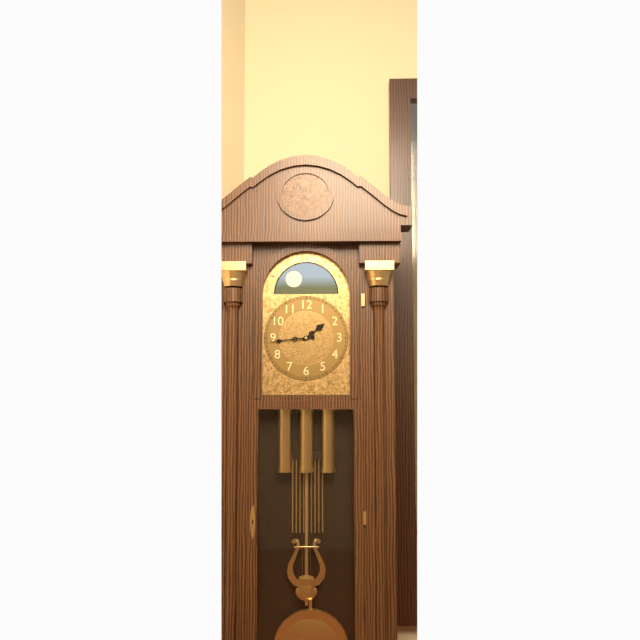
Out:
h=1 m=44
